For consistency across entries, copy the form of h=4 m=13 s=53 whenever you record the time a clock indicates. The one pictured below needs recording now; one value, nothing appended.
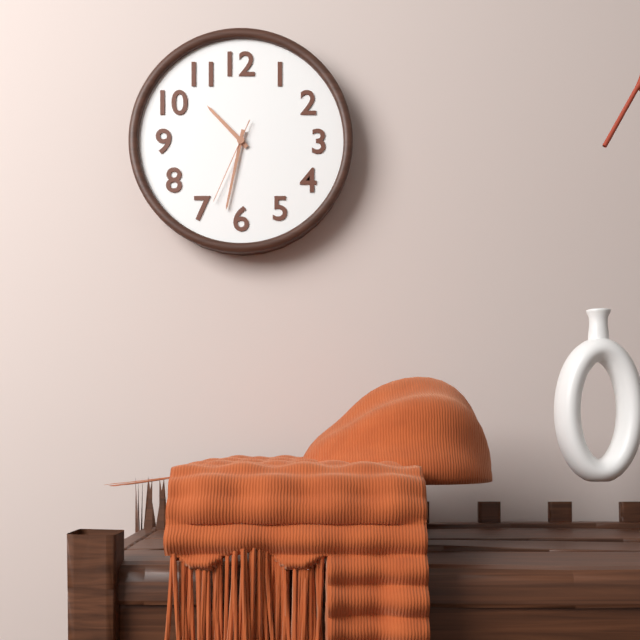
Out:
h=10 m=32 s=34
